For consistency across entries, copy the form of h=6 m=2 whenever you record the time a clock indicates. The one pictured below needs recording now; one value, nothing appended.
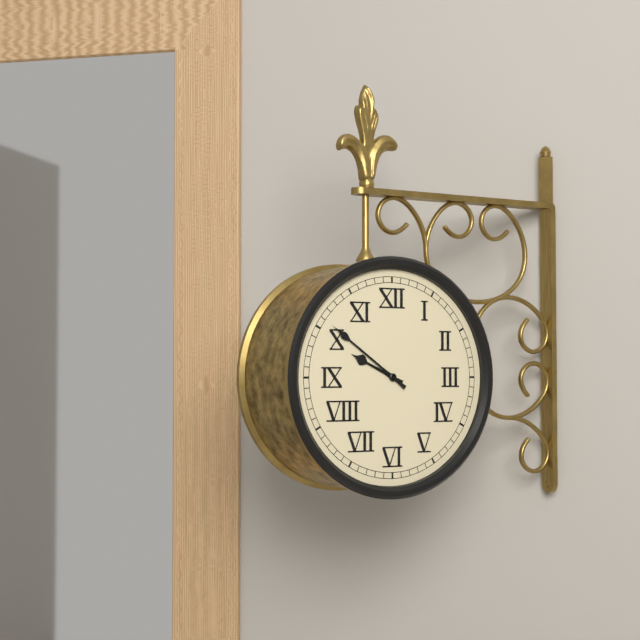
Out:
h=9 m=51
